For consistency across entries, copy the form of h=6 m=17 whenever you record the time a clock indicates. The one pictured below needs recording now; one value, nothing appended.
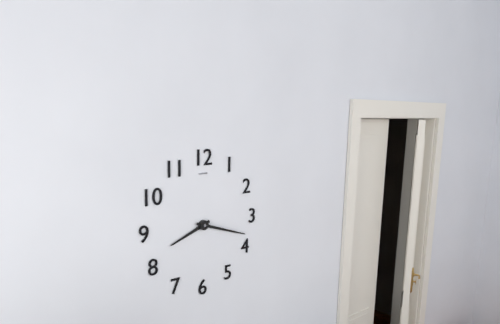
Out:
h=8 m=18
